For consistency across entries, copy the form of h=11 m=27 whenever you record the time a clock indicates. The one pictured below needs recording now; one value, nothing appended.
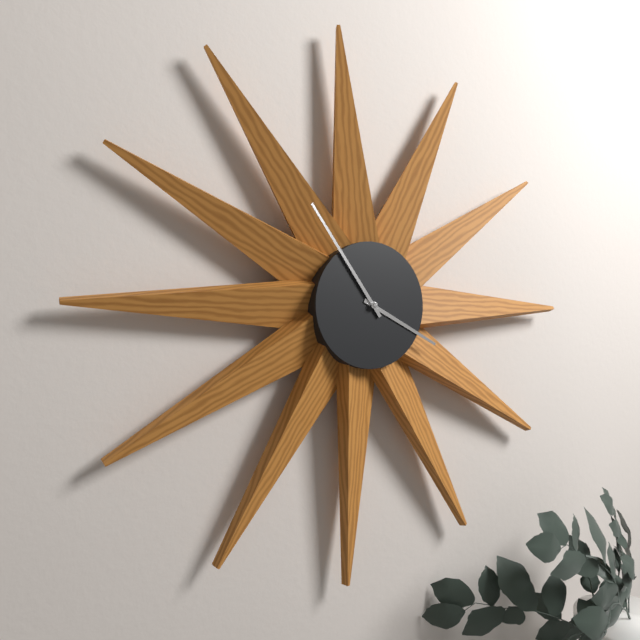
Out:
h=3 m=54
